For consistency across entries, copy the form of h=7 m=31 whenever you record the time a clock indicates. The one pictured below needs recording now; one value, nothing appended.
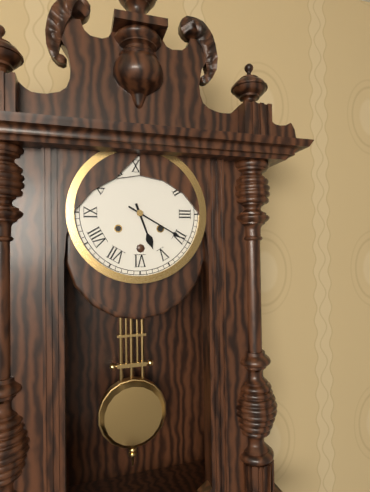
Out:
h=5 m=20
